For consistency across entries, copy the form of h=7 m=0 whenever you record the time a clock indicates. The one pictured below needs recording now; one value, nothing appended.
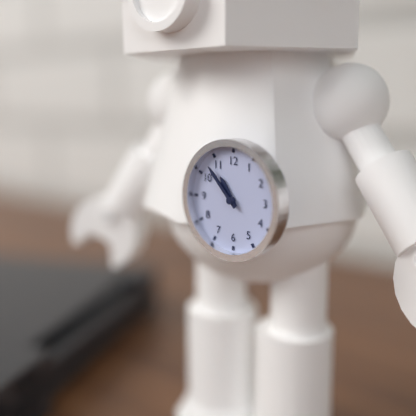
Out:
h=10 m=53
